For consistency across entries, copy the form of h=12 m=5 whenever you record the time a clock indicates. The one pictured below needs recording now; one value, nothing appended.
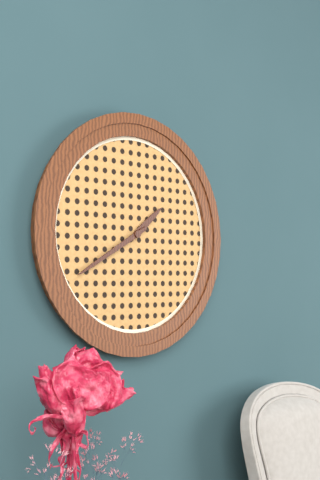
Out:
h=1 m=40
